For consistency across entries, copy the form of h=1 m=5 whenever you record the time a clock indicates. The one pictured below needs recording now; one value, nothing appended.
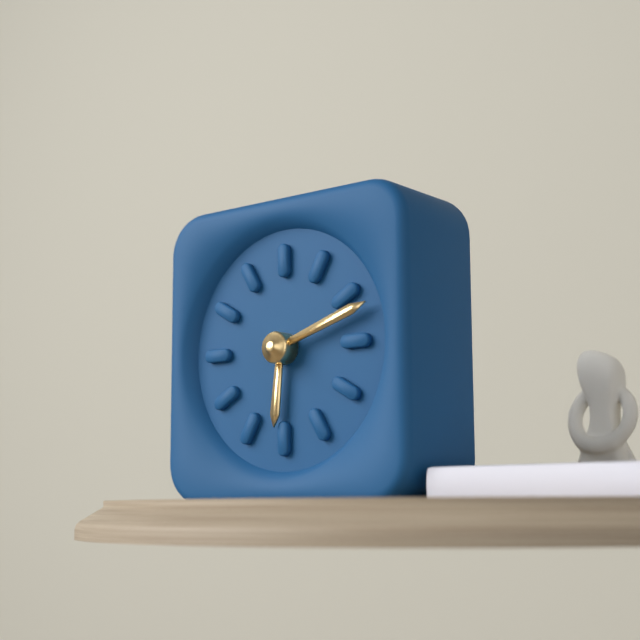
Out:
h=6 m=12
